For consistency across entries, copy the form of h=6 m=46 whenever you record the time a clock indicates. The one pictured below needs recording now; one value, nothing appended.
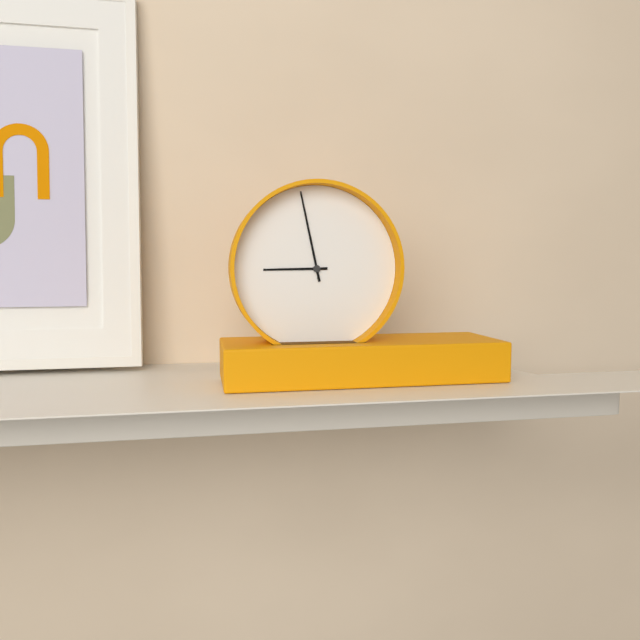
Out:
h=8 m=58
